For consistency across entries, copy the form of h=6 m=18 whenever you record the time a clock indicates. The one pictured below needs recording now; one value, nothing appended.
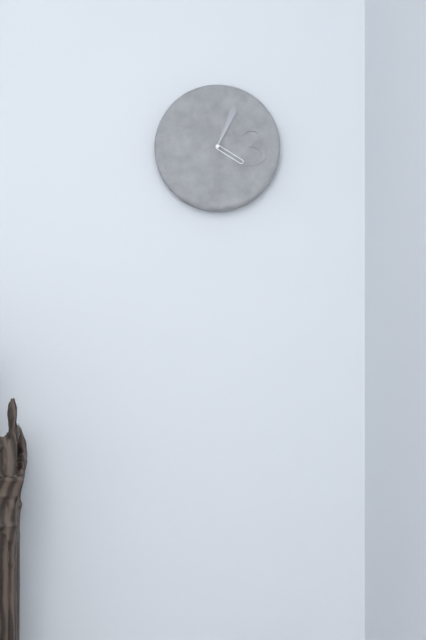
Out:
h=4 m=4
